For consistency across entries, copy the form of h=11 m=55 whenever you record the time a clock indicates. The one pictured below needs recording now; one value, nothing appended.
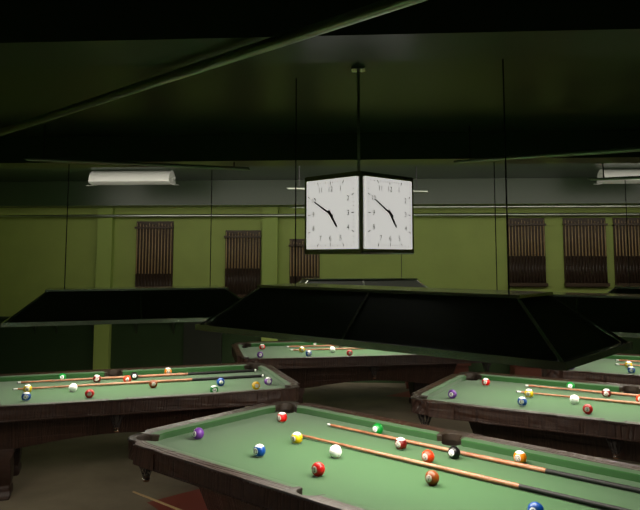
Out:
h=4 m=50
